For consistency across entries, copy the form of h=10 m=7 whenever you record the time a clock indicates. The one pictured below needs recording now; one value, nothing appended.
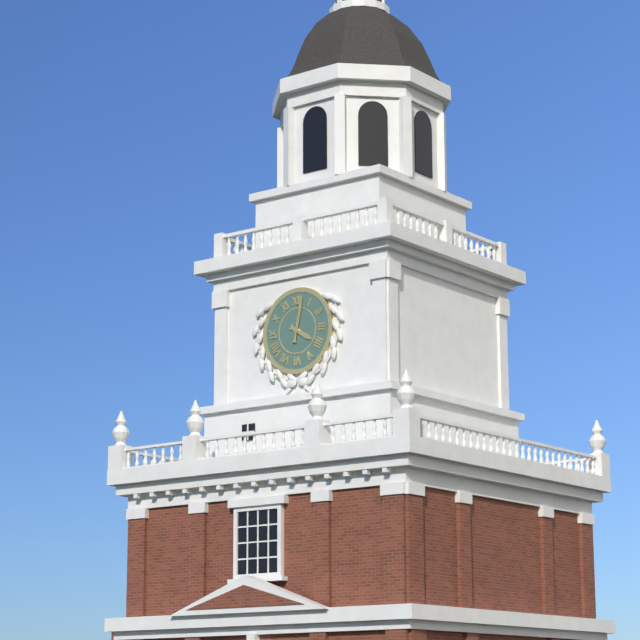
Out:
h=4 m=2
